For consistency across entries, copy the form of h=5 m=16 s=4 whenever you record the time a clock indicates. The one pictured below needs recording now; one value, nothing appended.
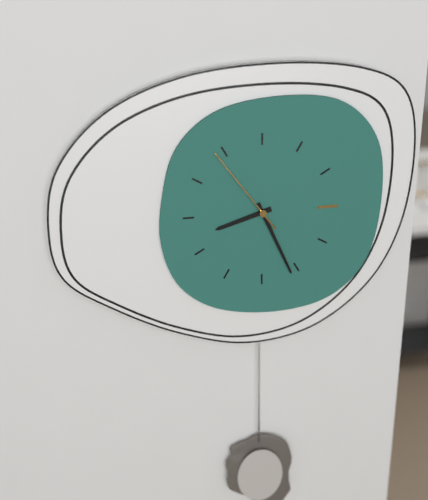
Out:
h=8 m=26 s=54
